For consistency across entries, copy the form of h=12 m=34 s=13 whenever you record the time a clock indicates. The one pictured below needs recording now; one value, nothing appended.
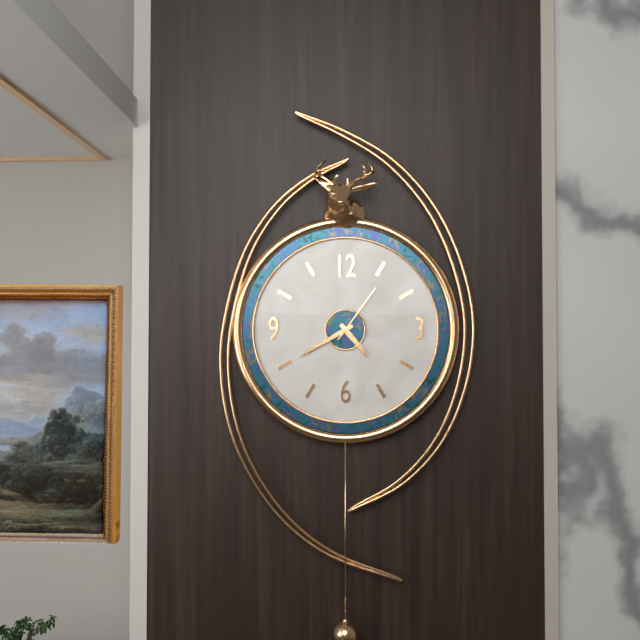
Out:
h=4 m=40 s=6
